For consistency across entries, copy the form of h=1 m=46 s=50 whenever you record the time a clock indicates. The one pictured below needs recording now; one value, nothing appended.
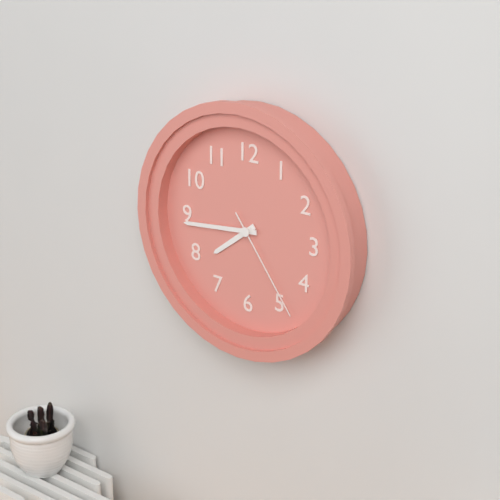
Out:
h=7 m=44 s=24
